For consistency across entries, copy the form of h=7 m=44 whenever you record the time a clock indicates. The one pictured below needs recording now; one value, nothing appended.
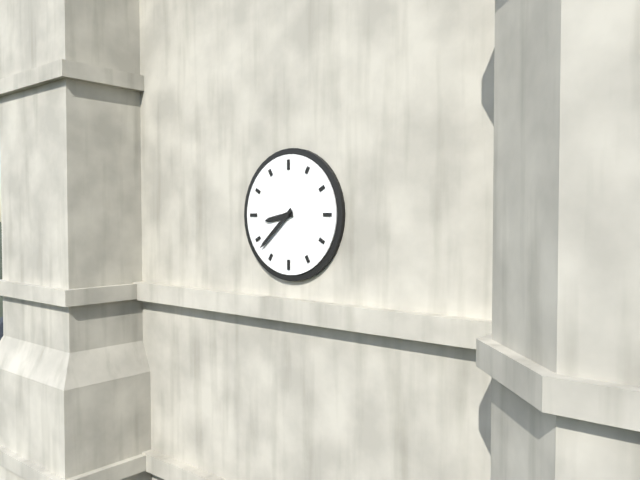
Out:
h=8 m=38
